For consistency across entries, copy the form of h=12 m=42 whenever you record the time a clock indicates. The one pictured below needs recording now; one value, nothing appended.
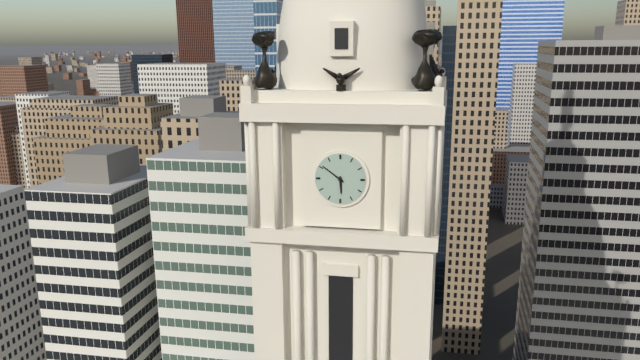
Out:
h=5 m=51
